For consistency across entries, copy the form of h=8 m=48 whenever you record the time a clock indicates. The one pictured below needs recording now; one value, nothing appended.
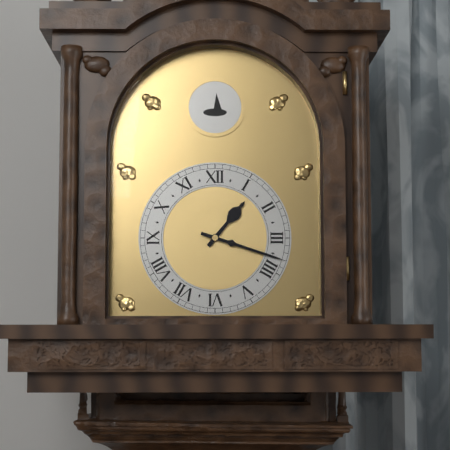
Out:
h=1 m=18
